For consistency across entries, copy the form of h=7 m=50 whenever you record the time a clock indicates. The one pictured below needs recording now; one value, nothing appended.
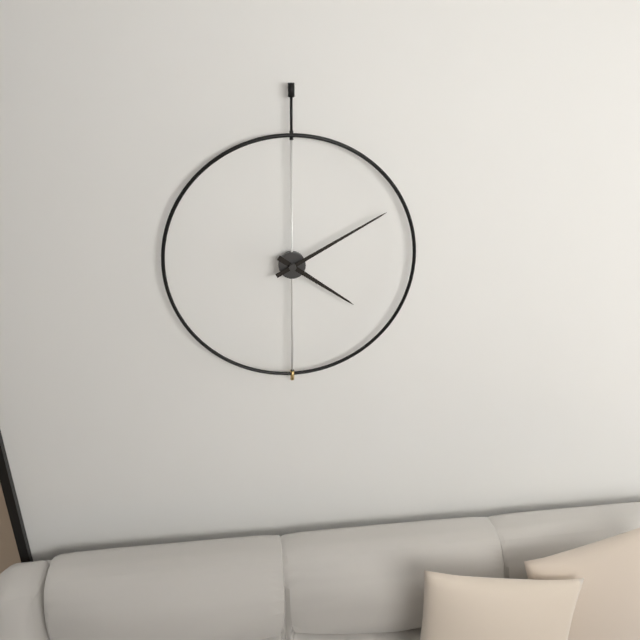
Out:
h=4 m=10
